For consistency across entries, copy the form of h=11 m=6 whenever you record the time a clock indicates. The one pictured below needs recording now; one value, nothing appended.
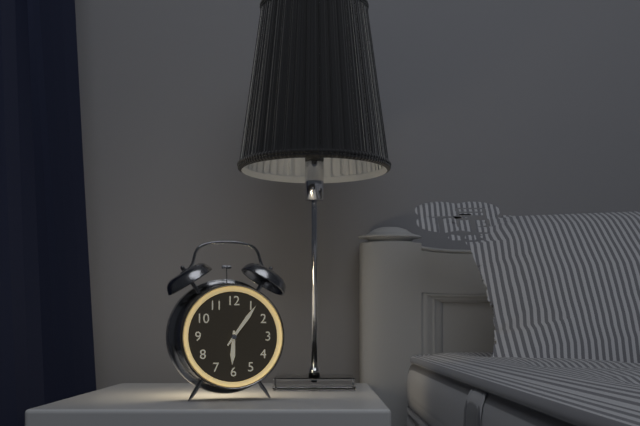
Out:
h=6 m=6
